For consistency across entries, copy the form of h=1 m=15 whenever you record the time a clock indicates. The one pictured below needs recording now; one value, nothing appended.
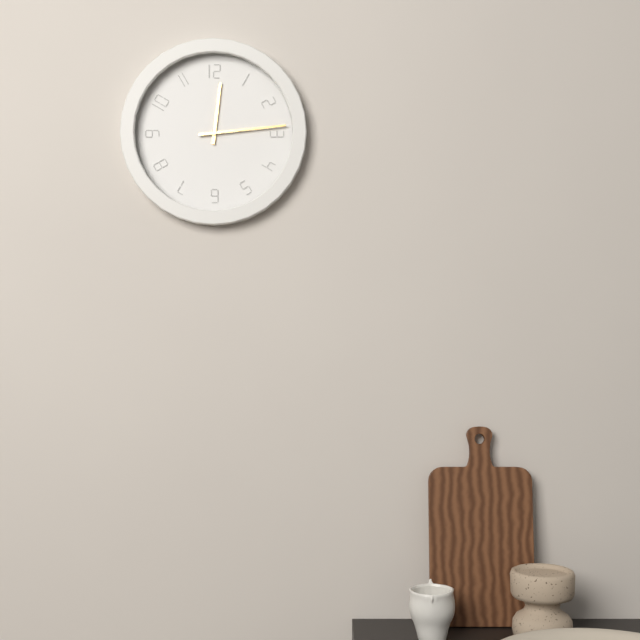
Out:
h=12 m=14
